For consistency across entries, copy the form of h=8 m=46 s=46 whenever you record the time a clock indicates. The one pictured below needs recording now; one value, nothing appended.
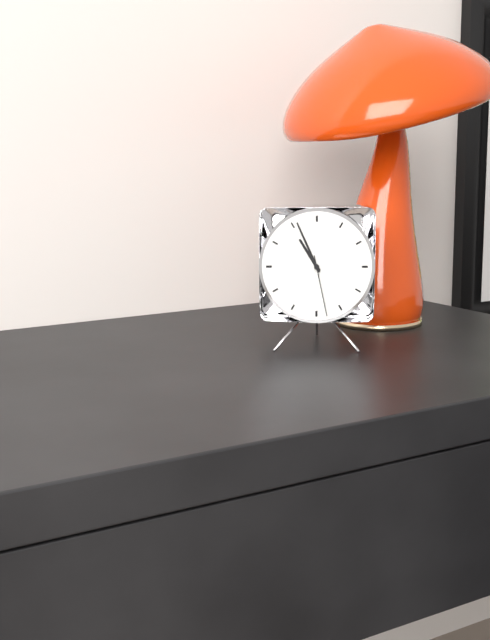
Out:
h=10 m=56 s=28
